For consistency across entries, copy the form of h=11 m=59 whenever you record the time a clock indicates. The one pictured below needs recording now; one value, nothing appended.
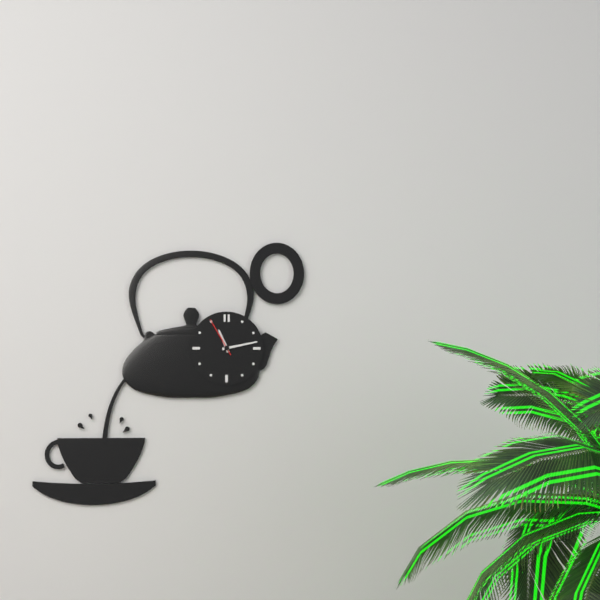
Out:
h=11 m=13
